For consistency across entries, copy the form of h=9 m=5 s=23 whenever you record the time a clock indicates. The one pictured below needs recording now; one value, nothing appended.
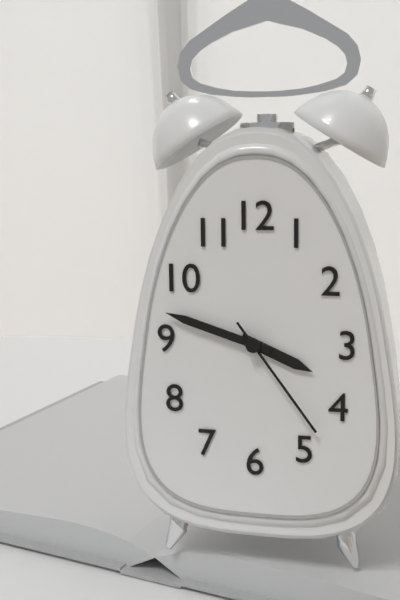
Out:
h=3 m=48 s=24
